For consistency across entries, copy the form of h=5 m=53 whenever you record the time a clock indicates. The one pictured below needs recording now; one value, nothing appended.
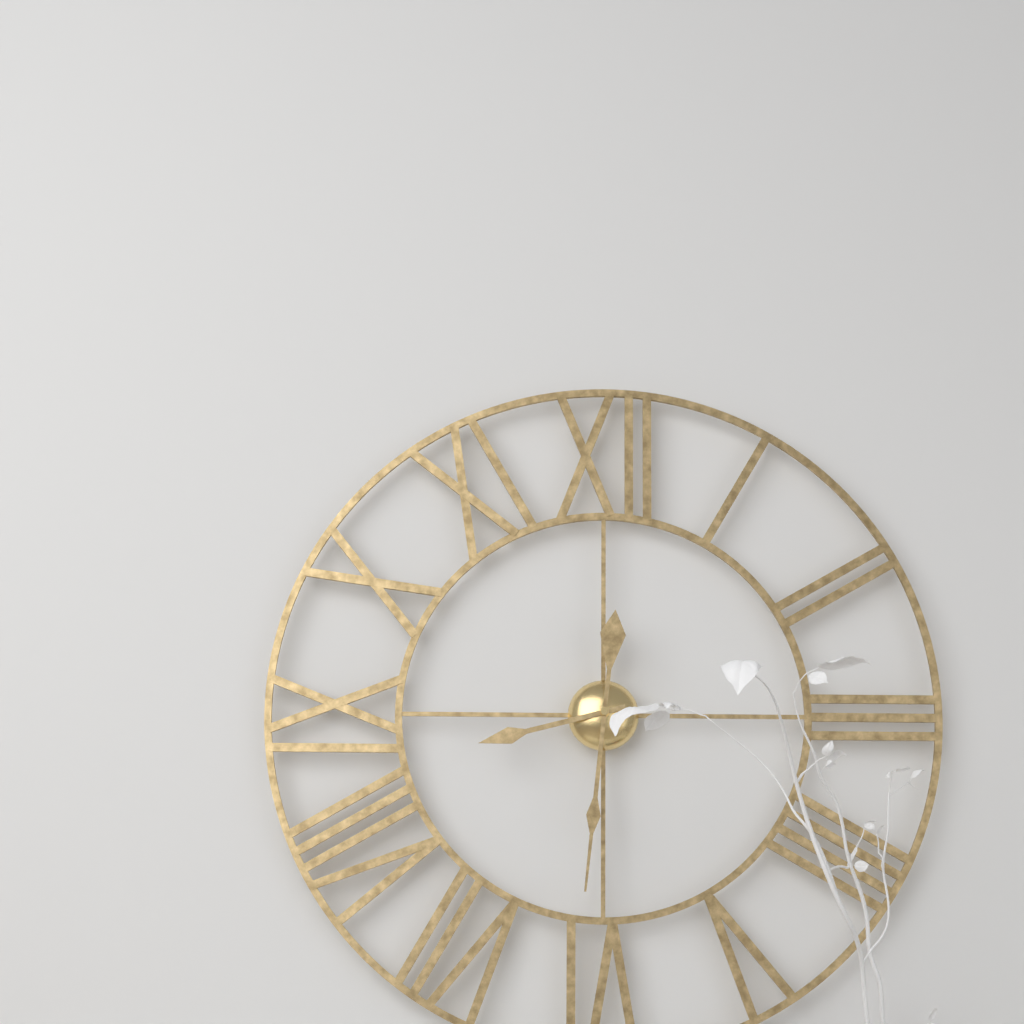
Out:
h=8 m=31
